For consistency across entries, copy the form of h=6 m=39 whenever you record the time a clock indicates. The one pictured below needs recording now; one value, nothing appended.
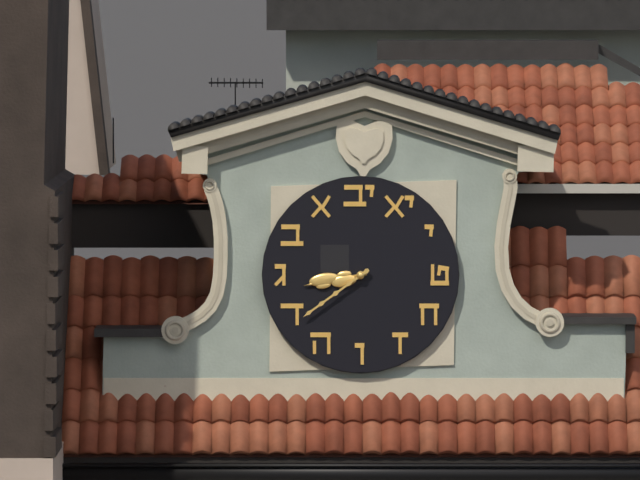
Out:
h=8 m=39
